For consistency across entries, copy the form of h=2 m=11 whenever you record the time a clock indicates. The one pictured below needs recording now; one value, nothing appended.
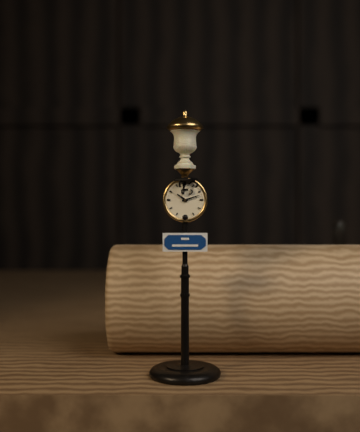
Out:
h=10 m=12
